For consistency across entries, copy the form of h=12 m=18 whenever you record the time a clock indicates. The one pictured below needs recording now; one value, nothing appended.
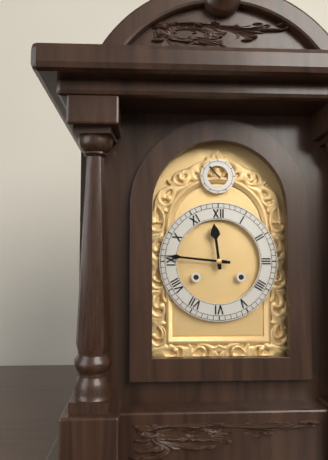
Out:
h=11 m=46
